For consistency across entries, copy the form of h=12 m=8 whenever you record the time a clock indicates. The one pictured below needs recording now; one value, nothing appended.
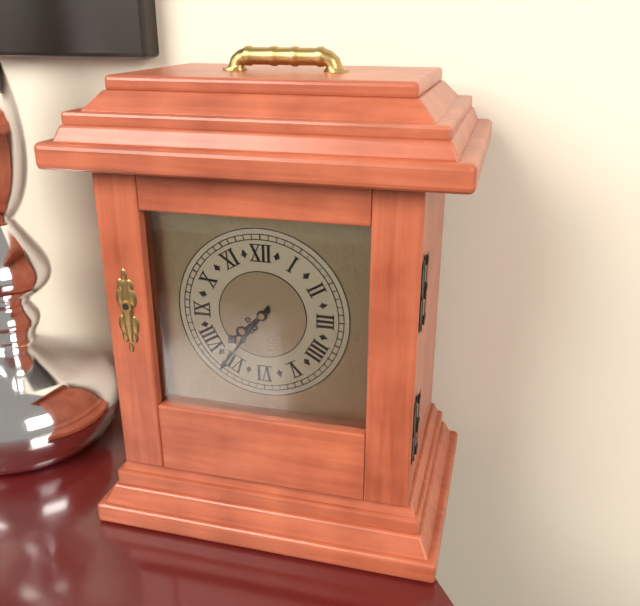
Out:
h=7 m=36
